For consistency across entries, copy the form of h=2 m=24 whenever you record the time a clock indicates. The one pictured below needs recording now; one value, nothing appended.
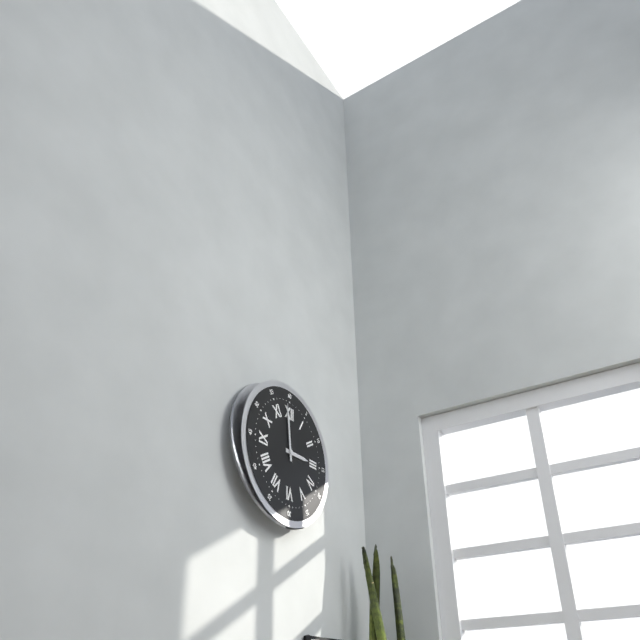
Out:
h=2 m=59
